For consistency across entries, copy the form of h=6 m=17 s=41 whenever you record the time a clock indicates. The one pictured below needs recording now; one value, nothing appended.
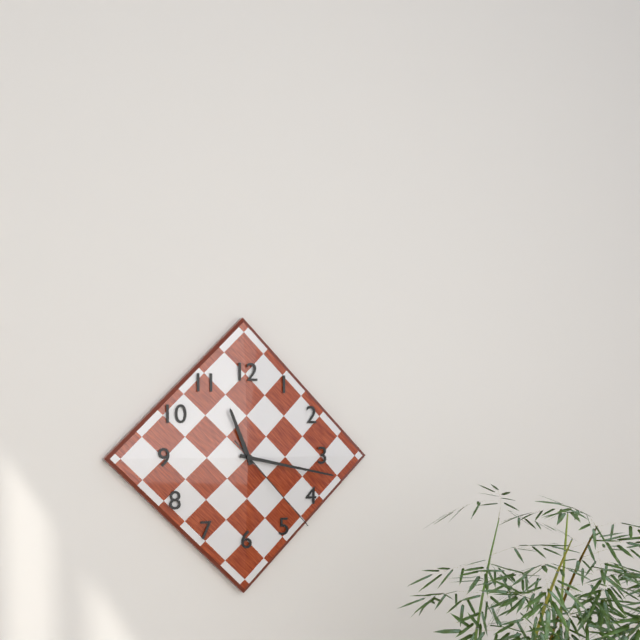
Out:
h=11 m=17 s=23
